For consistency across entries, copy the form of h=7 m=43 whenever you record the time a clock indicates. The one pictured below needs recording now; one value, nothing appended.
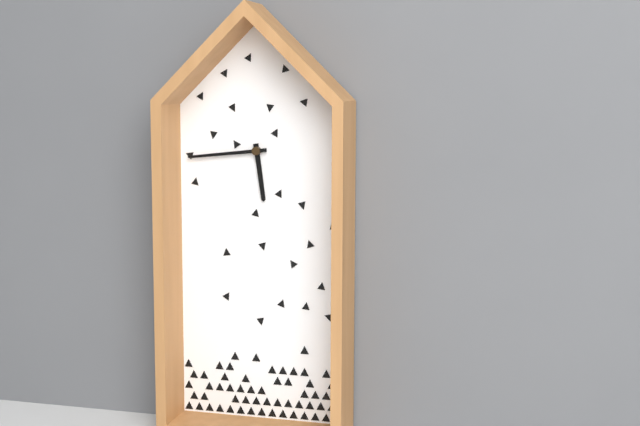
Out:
h=5 m=44
